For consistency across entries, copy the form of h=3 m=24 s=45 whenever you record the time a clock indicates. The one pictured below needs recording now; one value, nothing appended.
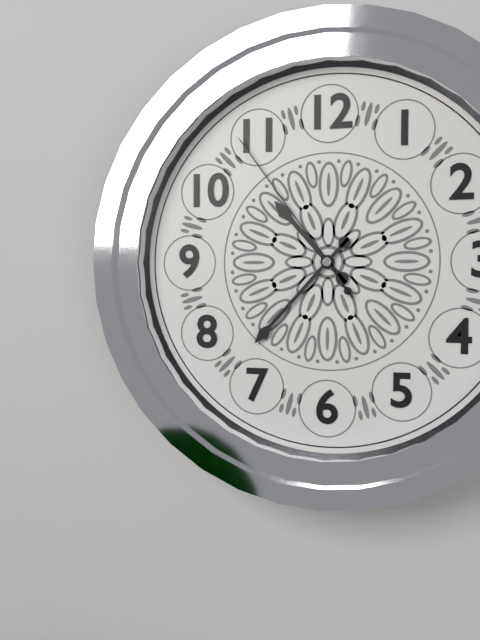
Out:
h=10 m=37 s=54
